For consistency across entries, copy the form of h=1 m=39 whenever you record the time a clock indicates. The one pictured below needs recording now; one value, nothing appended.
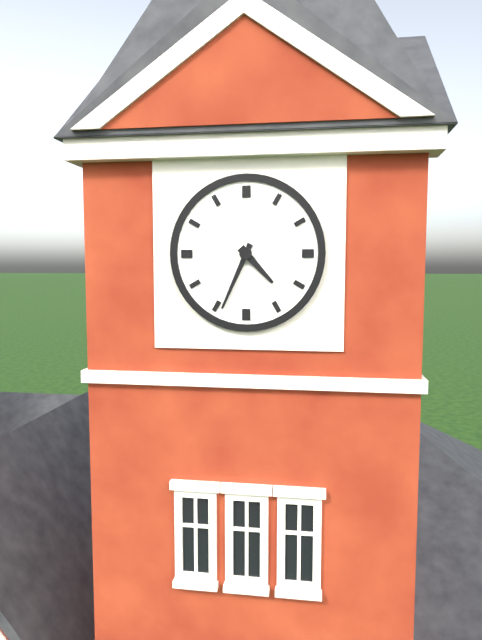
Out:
h=4 m=34
